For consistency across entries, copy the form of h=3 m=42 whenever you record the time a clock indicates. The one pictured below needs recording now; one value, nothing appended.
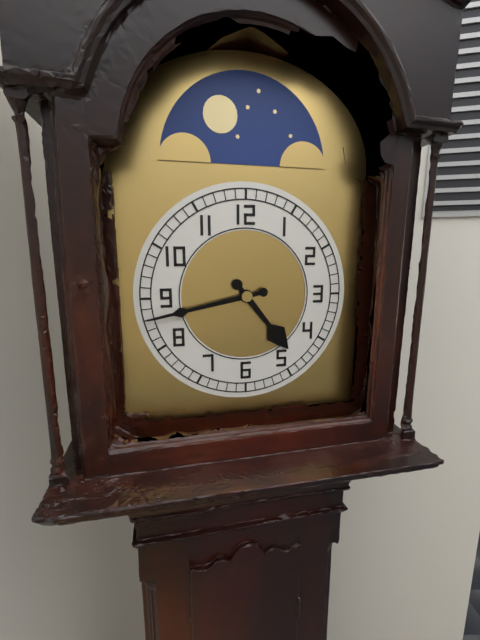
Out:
h=4 m=43
